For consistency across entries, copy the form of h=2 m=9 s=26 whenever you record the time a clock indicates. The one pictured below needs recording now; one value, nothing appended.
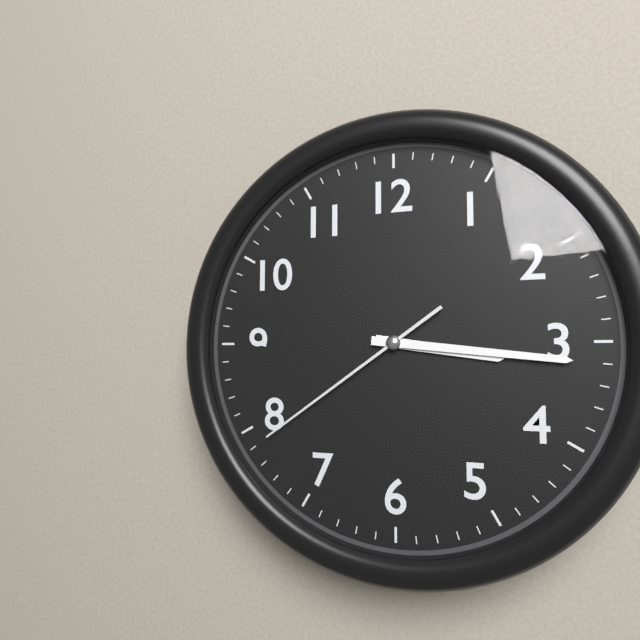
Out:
h=3 m=16 s=39
